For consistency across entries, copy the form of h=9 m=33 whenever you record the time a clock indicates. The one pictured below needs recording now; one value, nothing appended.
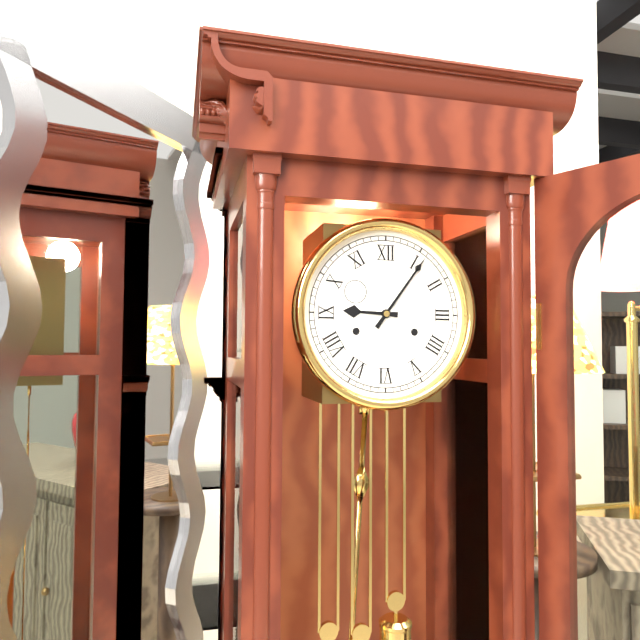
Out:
h=9 m=6
